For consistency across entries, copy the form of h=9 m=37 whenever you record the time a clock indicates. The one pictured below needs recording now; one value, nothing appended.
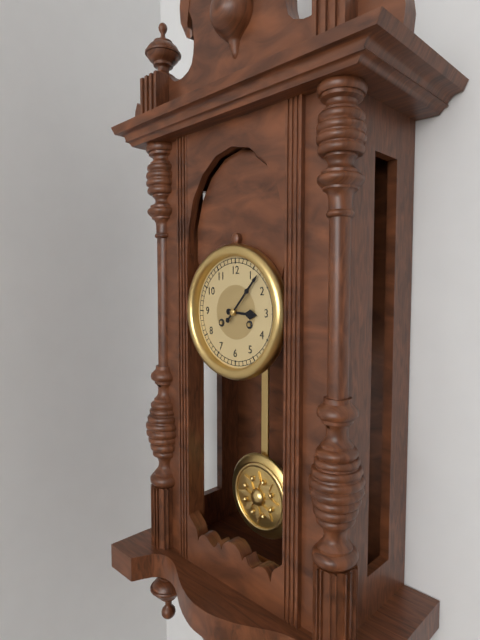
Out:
h=3 m=7
